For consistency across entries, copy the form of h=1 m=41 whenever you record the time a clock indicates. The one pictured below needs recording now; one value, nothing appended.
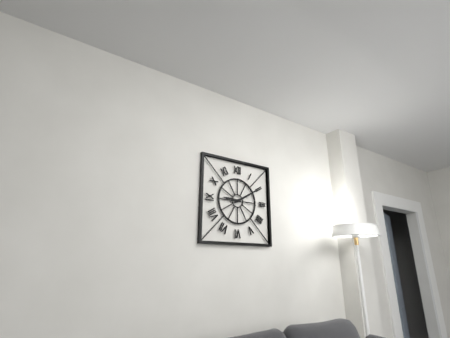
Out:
h=9 m=10
